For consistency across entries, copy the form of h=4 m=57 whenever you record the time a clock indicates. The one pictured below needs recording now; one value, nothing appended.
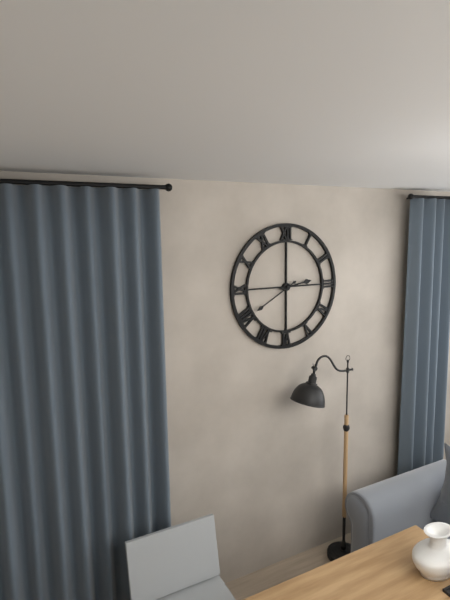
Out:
h=2 m=40
